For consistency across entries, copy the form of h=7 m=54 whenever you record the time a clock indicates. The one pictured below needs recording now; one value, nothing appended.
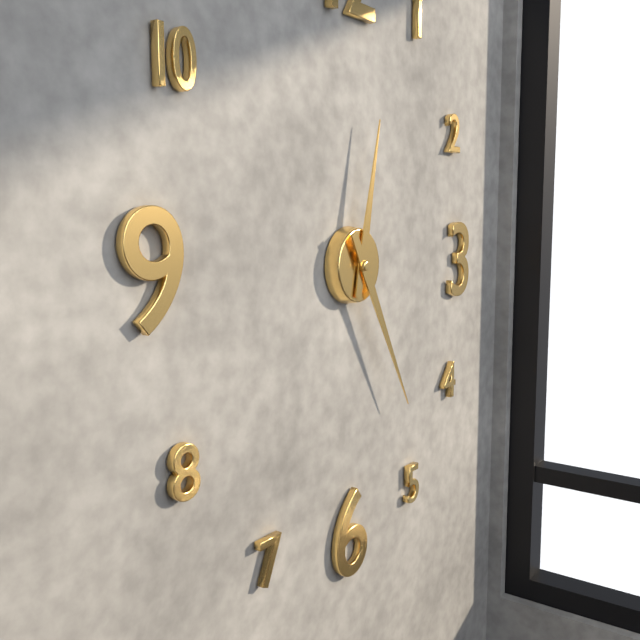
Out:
h=12 m=25
